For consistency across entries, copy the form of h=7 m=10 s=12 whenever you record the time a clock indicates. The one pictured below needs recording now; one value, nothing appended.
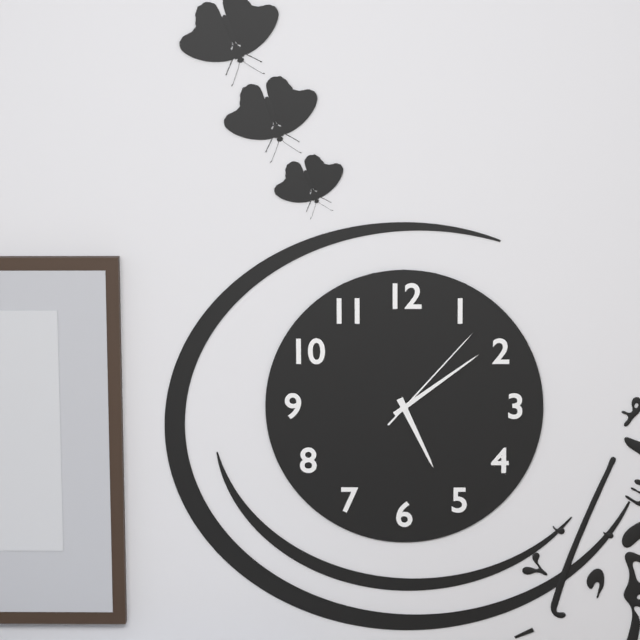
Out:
h=5 m=9 s=7
